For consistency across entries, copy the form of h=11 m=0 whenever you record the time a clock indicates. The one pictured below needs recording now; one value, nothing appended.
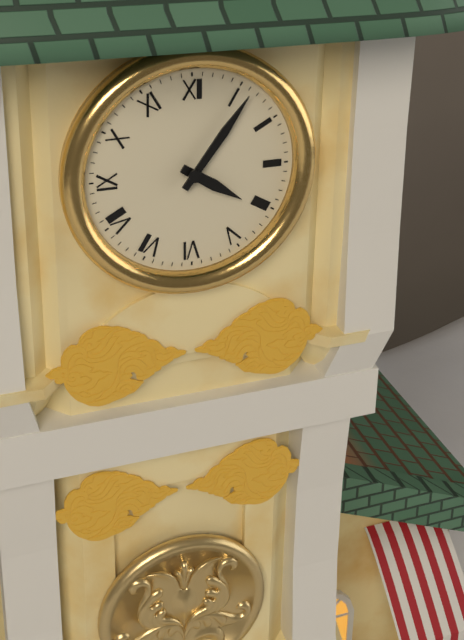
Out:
h=4 m=6
